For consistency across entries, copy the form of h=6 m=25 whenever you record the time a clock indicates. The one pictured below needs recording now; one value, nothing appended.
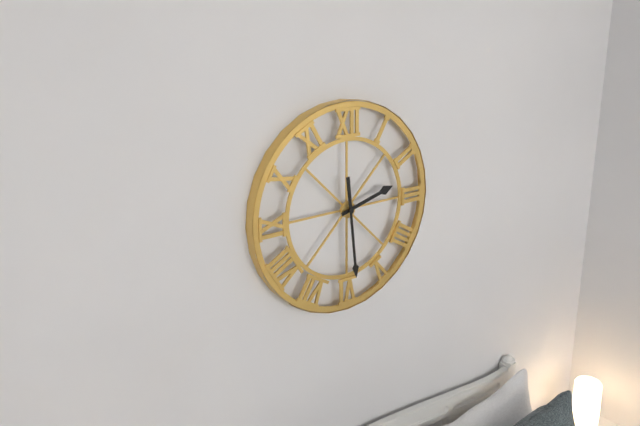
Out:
h=2 m=29
